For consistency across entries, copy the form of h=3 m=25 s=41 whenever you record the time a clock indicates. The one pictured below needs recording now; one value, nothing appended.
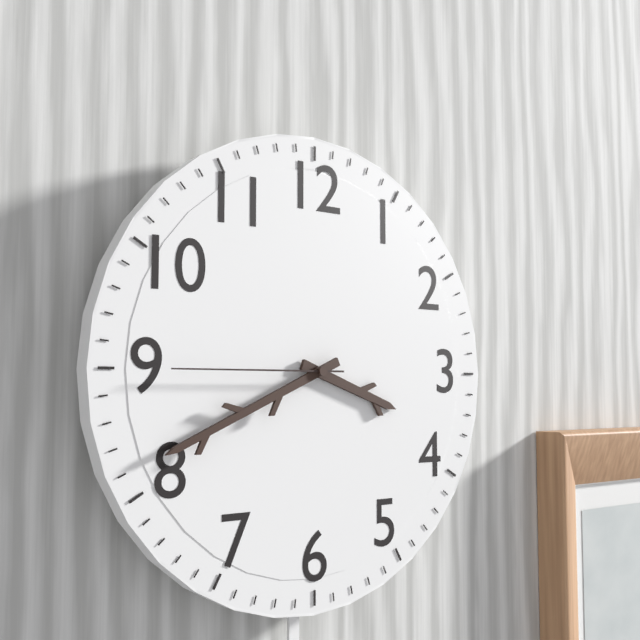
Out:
h=3 m=41 s=45
